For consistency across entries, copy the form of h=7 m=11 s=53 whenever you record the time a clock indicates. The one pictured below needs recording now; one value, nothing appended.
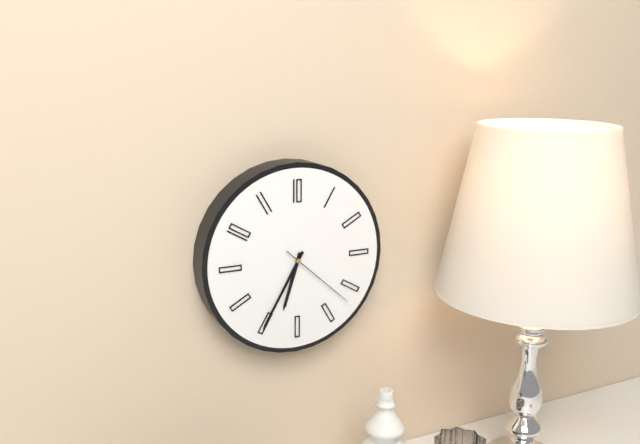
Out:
h=6 m=35 s=22
